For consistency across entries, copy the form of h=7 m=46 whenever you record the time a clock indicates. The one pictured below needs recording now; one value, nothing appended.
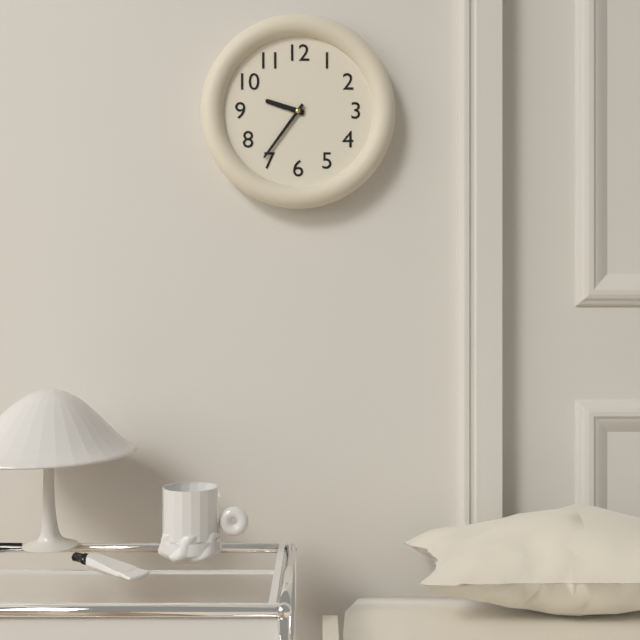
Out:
h=9 m=36
